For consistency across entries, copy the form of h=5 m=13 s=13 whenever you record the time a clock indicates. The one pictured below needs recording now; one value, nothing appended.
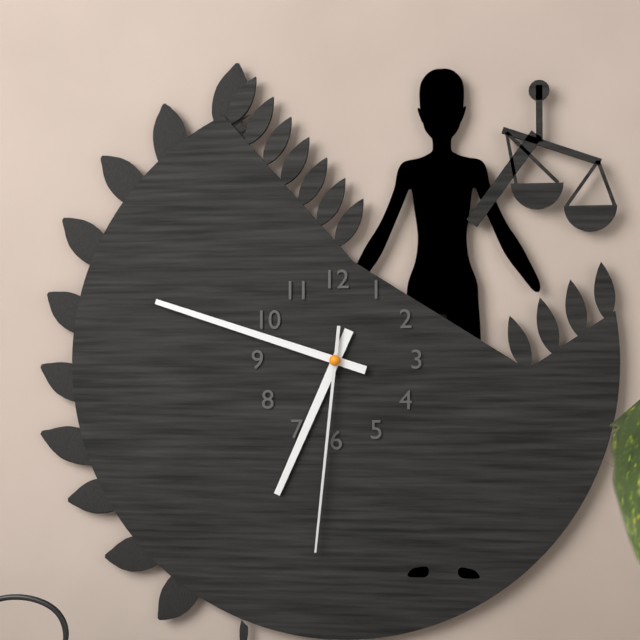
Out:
h=6 m=48 s=31
